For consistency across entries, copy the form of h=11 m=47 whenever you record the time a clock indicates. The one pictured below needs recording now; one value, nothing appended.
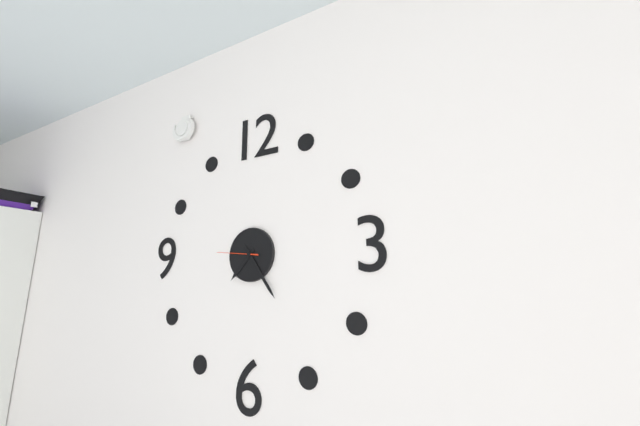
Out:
h=7 m=24
